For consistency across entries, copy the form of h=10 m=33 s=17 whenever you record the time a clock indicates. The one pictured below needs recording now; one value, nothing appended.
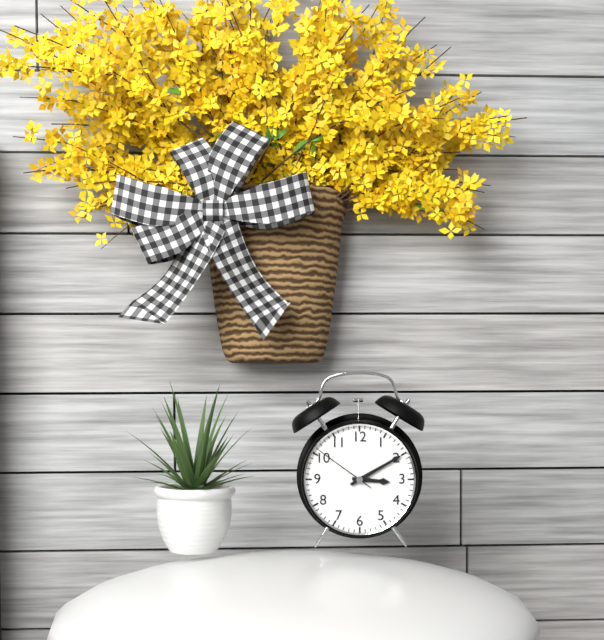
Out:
h=3 m=10 s=51
